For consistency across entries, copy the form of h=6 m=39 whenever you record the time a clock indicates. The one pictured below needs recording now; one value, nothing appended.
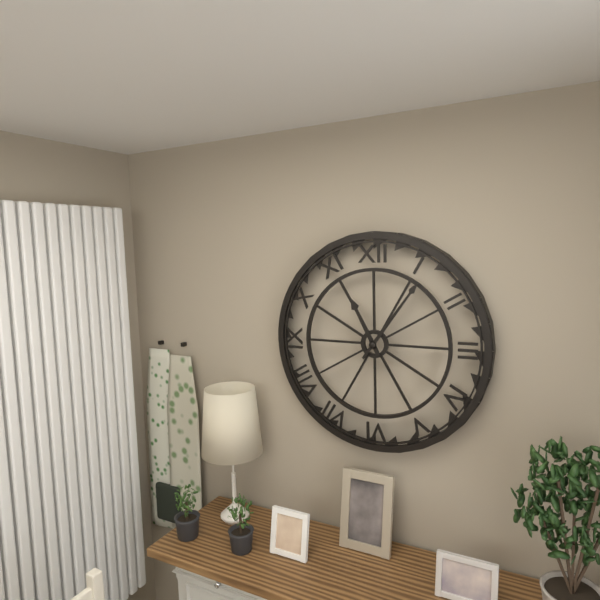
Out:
h=11 m=6
